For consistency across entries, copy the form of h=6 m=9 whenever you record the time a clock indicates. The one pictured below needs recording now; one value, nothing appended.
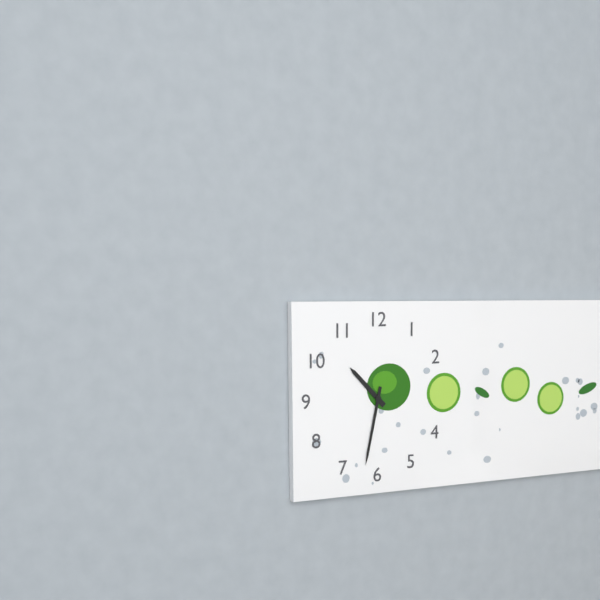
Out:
h=10 m=32
